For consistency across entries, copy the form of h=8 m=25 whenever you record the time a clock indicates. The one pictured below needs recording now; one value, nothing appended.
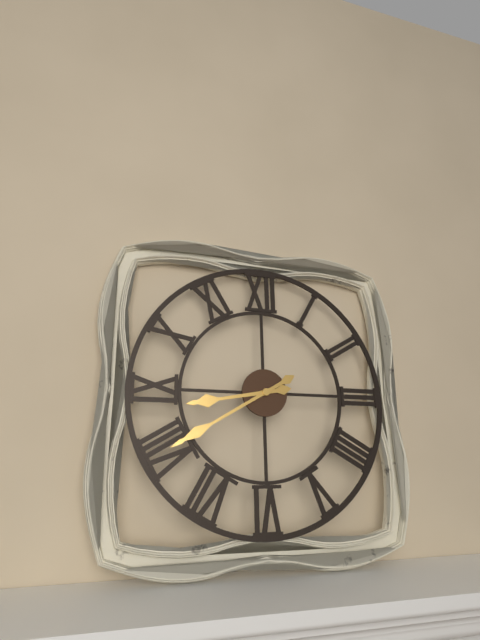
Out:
h=8 m=40
